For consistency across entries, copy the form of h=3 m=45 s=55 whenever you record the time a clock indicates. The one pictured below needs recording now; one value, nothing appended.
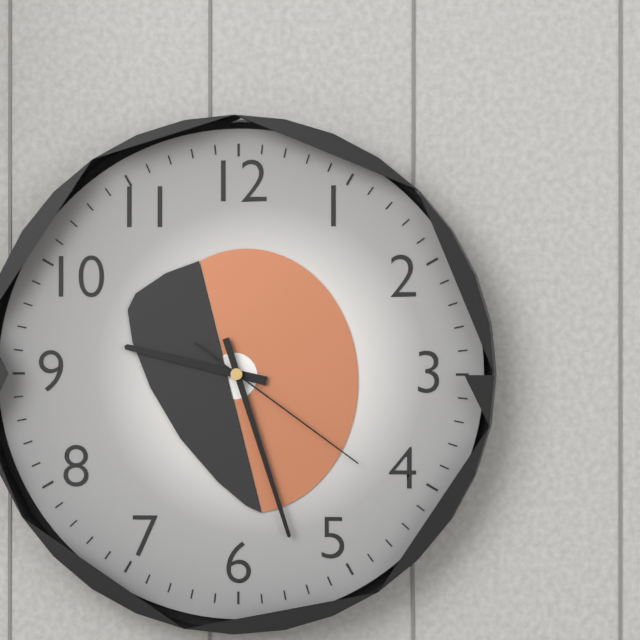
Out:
h=9 m=27 s=21
